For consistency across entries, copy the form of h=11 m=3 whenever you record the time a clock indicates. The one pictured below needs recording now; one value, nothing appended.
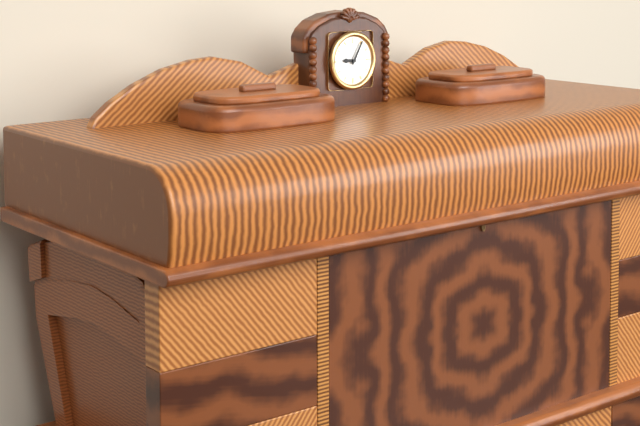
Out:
h=9 m=5
